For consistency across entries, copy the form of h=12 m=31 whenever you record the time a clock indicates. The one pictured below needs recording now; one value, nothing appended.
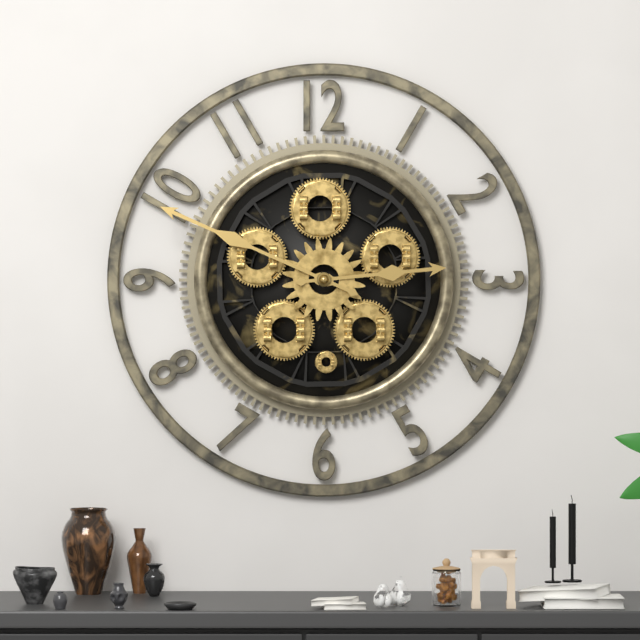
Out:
h=2 m=49
